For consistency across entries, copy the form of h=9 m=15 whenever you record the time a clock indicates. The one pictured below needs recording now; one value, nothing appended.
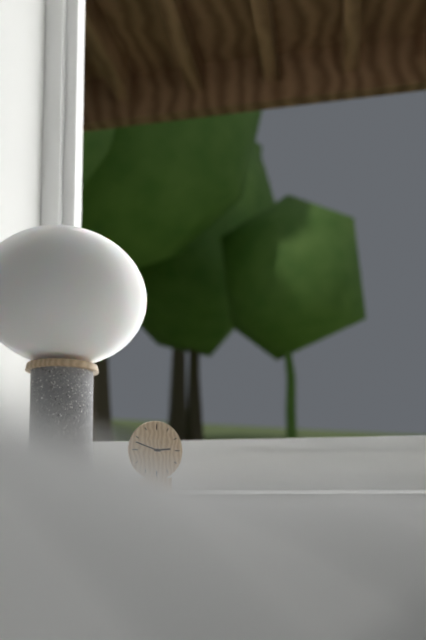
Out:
h=2 m=48
